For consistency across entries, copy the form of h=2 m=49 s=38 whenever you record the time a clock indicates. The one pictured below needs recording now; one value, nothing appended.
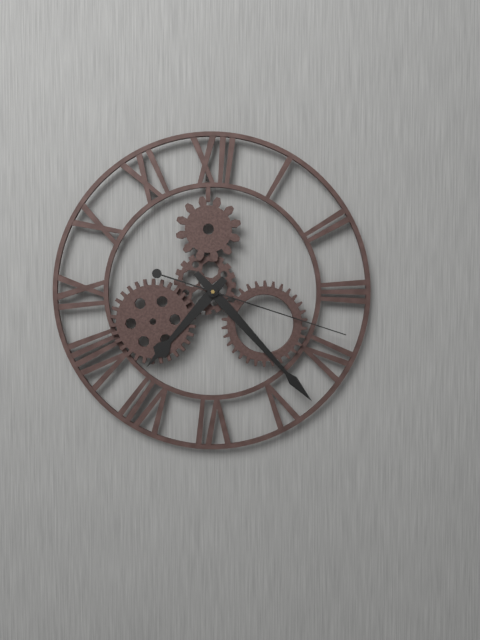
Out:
h=7 m=23 s=18
